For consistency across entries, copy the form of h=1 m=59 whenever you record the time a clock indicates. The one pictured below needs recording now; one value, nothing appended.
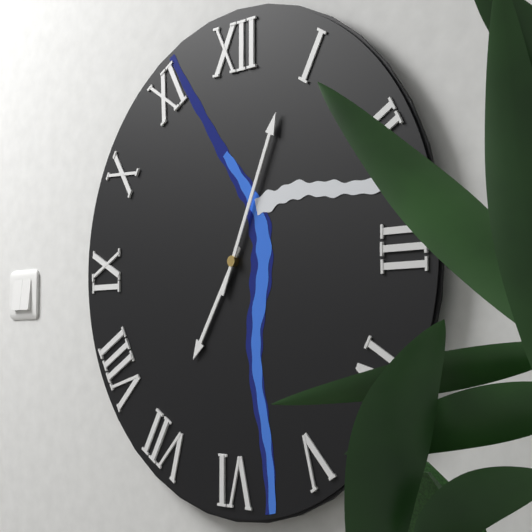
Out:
h=7 m=4
